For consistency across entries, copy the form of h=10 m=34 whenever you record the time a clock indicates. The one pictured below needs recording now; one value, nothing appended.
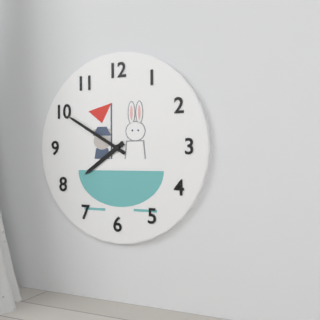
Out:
h=7 m=50
